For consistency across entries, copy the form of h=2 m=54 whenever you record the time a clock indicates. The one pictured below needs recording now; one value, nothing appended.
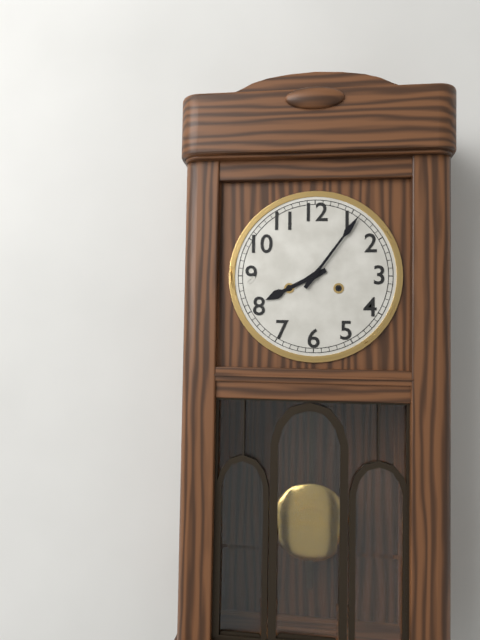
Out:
h=8 m=6
